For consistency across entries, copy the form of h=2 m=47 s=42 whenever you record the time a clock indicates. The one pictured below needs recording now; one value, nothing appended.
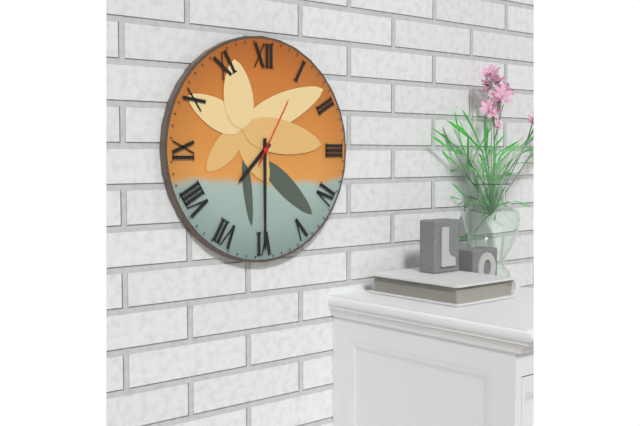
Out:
h=7 m=30 s=5
